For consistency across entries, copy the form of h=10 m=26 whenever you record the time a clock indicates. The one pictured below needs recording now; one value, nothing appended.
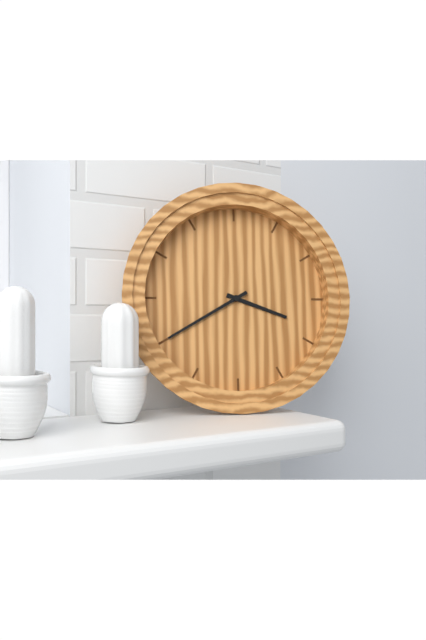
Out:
h=3 m=40
